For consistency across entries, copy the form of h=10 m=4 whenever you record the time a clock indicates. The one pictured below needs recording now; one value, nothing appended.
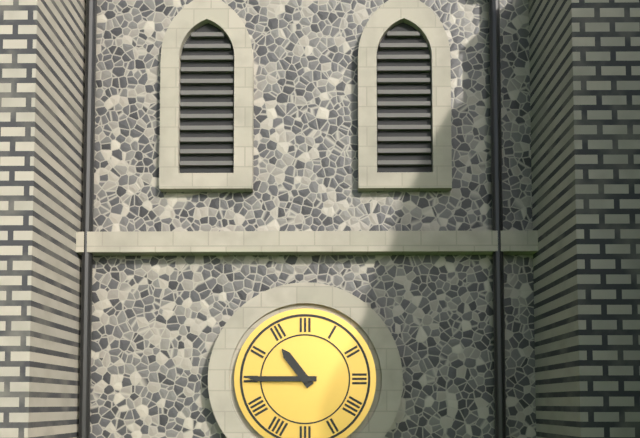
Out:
h=10 m=45
